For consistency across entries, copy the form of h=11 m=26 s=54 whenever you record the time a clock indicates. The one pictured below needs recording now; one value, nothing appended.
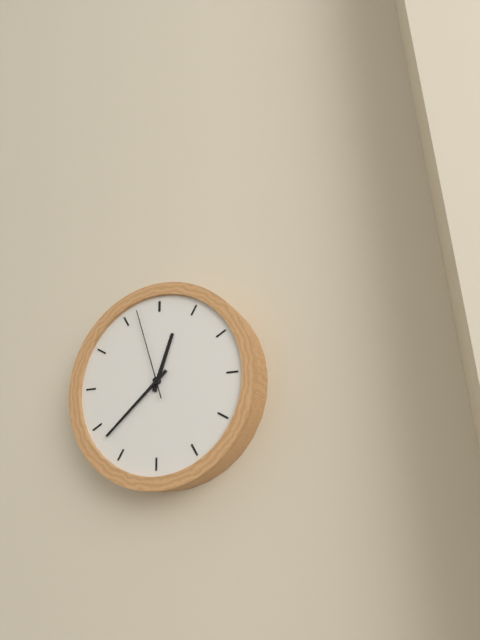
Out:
h=12 m=38 s=57
